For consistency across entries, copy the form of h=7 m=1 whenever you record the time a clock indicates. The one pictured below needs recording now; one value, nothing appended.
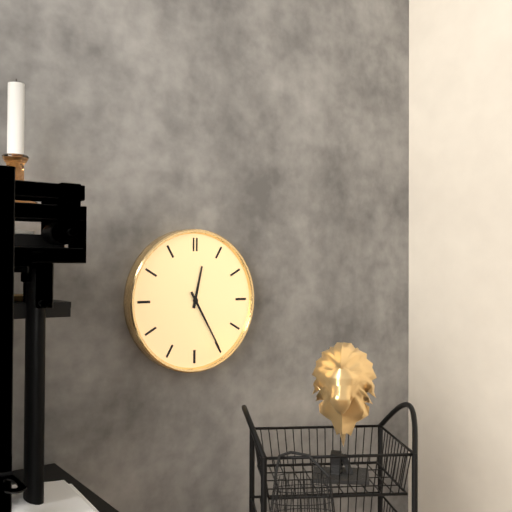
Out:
h=12 m=25
